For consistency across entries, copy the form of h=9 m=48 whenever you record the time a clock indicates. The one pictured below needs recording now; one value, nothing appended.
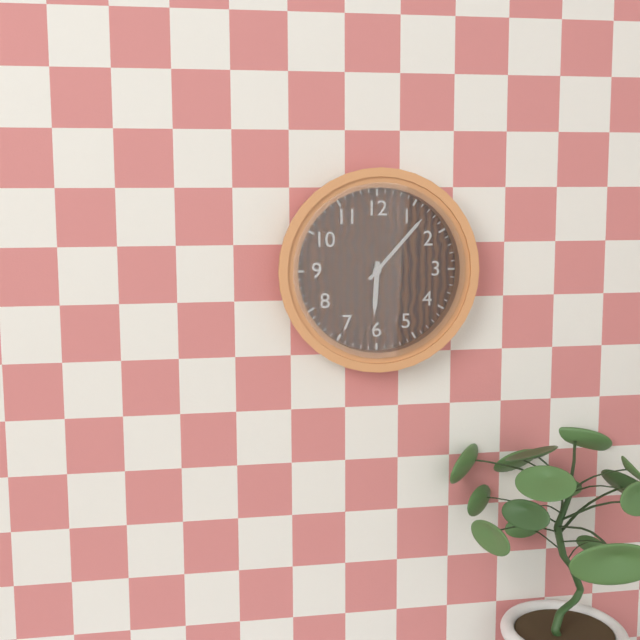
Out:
h=6 m=7
